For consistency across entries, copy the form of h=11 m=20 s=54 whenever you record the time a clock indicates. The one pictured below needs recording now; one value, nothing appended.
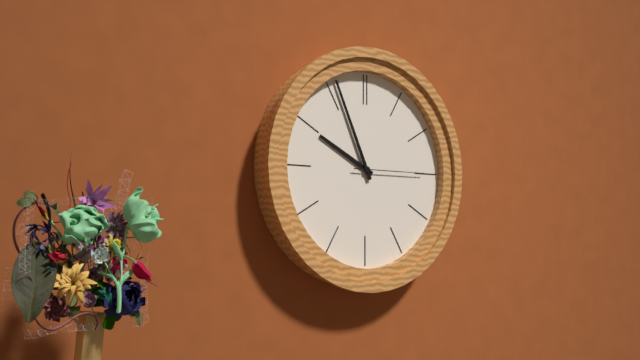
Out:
h=9 m=56 s=15
